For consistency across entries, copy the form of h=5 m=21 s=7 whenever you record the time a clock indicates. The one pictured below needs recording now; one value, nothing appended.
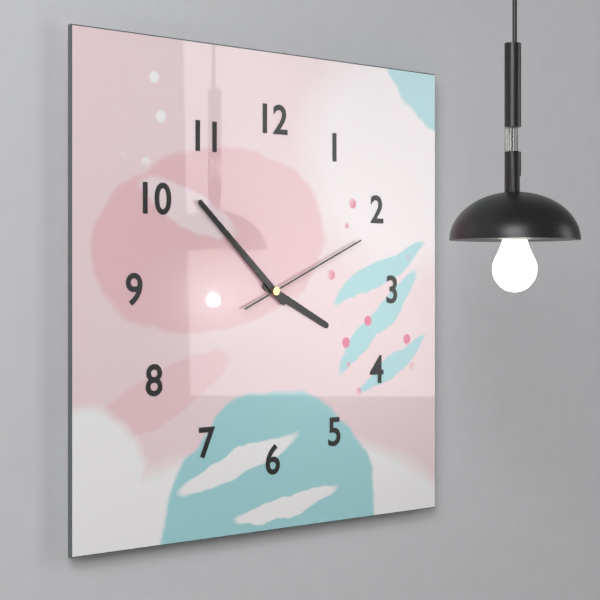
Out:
h=3 m=52 s=11
